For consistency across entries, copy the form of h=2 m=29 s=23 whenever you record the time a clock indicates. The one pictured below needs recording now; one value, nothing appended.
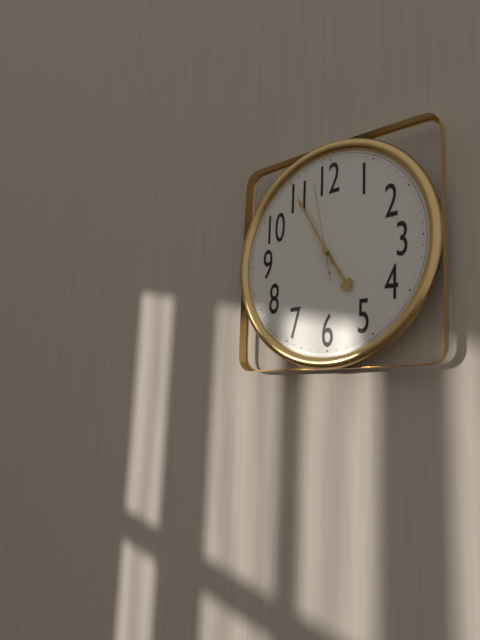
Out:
h=4 m=55 s=58
